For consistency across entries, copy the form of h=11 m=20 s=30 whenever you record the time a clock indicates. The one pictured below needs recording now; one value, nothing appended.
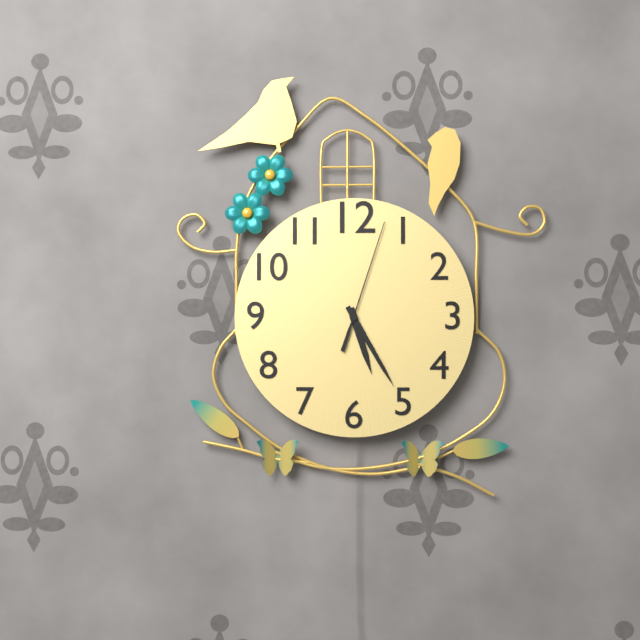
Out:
h=5 m=25 s=3
